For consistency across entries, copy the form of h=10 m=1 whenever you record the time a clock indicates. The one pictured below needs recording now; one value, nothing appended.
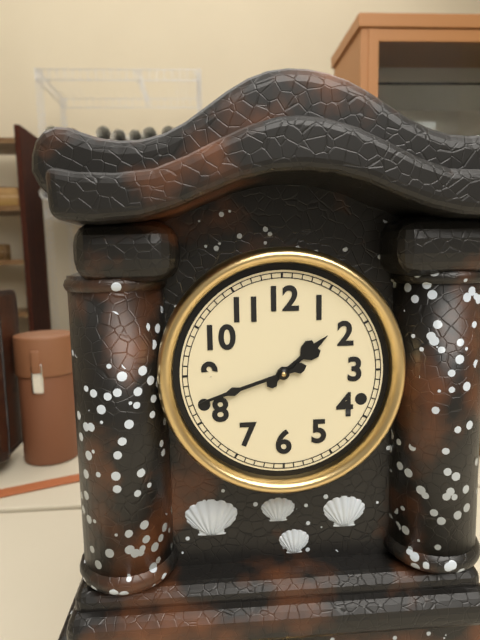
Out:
h=1 m=42
